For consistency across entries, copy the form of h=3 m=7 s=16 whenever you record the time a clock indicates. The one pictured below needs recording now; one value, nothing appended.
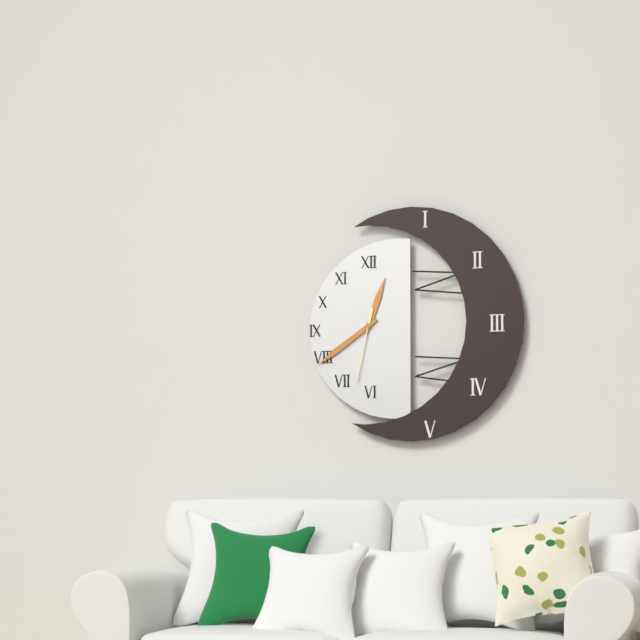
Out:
h=12 m=39 s=32
